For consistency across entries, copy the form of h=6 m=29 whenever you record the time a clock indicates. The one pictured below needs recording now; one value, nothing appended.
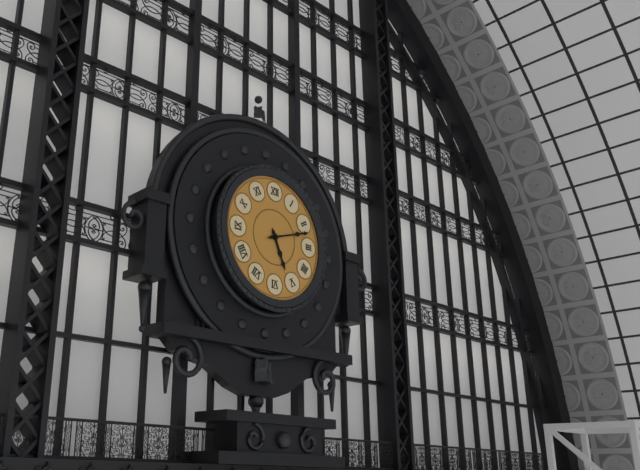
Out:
h=5 m=12
